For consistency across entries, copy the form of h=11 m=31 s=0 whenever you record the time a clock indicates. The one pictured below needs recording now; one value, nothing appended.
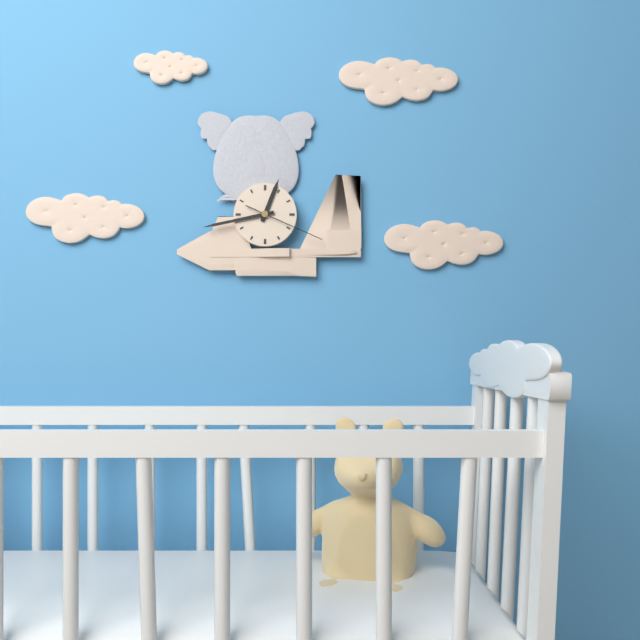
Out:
h=12 m=43 s=19
